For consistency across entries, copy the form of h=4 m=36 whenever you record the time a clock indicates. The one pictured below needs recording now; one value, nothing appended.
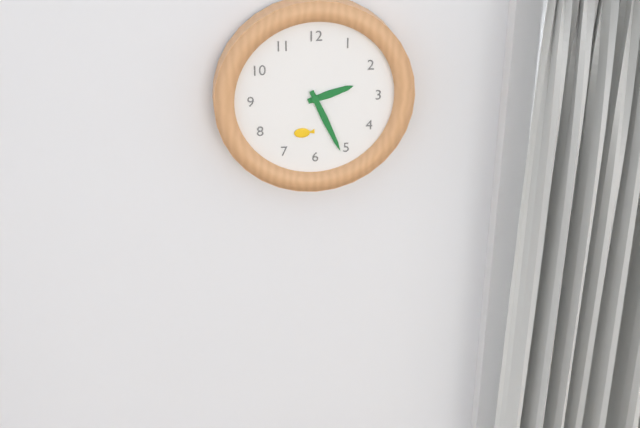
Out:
h=2 m=26
